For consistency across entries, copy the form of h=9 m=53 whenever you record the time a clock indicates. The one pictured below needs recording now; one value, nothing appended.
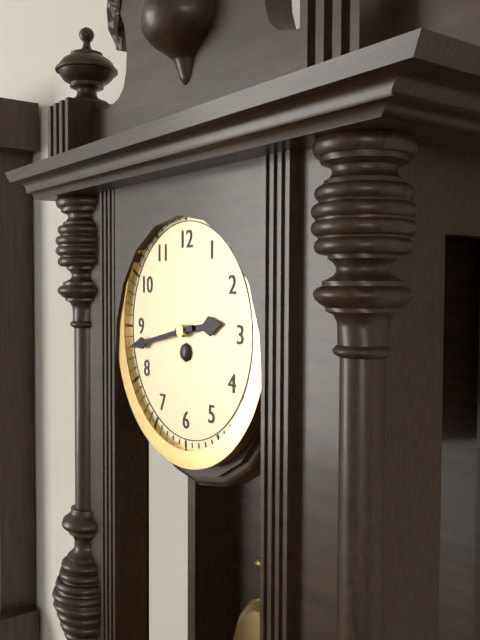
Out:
h=2 m=43
